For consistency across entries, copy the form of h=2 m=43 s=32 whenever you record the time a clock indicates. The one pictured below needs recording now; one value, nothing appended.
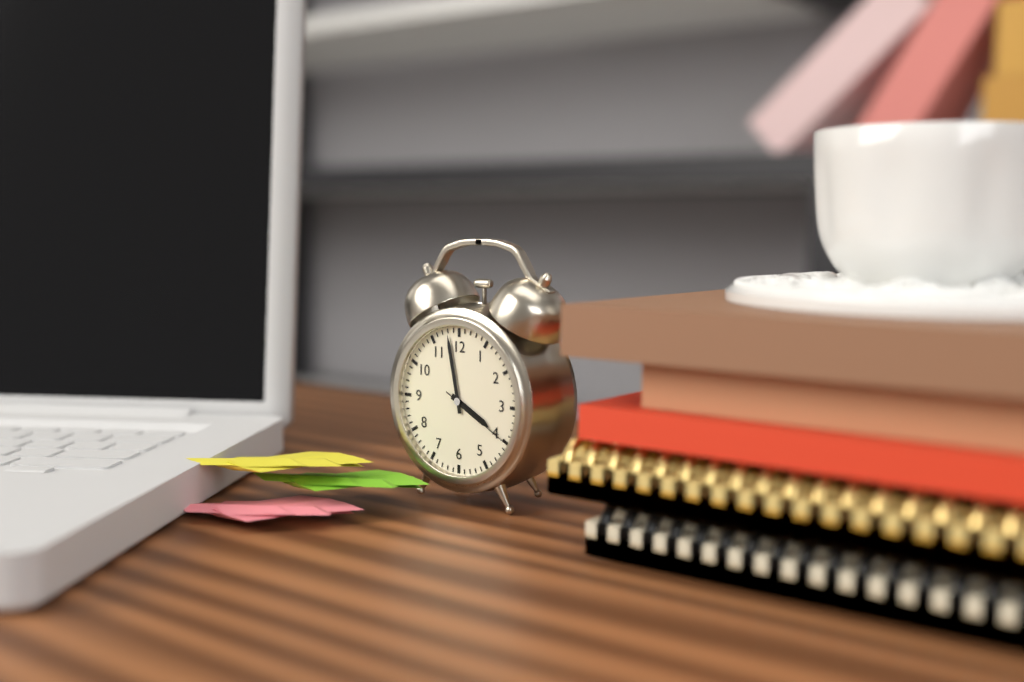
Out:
h=3 m=58 s=20
